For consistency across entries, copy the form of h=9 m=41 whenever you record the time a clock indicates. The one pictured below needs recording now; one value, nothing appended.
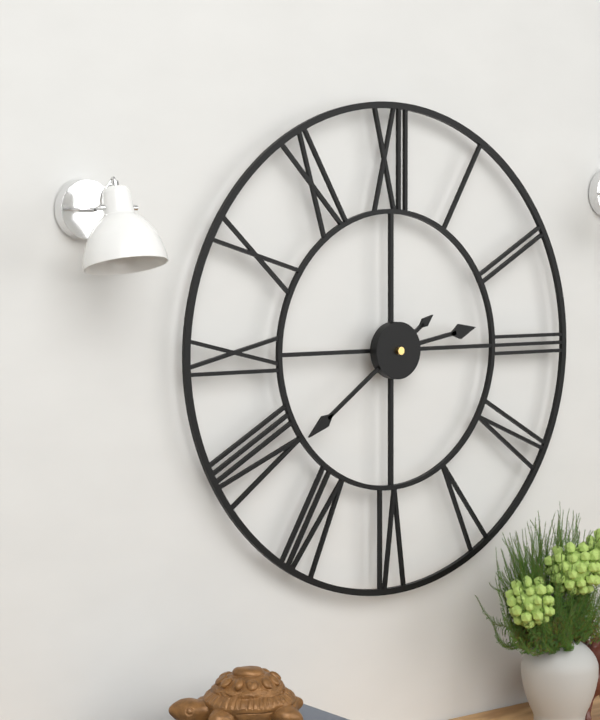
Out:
h=2 m=39
